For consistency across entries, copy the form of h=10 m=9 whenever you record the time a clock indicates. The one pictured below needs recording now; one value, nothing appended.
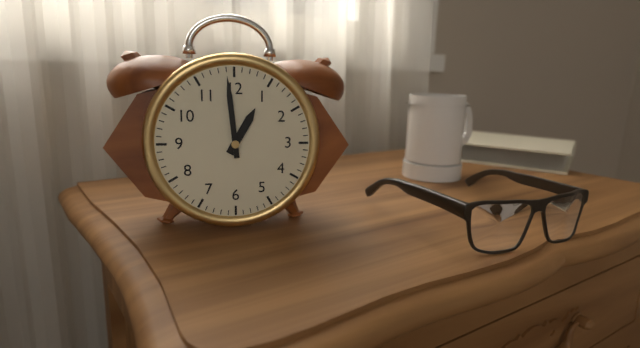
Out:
h=12 m=59
